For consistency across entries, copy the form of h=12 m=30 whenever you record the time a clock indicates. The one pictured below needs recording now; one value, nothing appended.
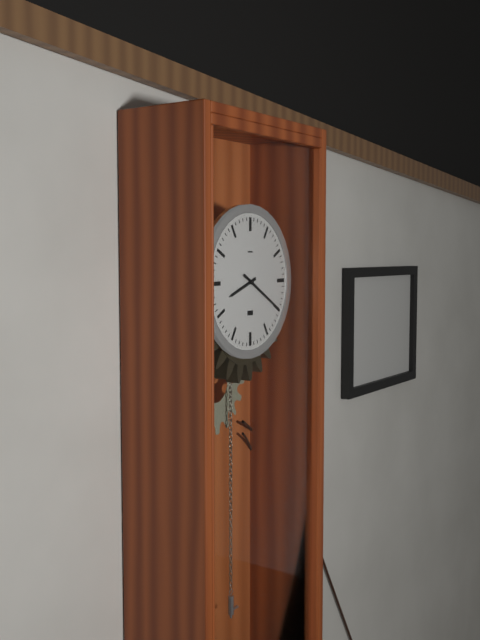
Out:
h=8 m=20
